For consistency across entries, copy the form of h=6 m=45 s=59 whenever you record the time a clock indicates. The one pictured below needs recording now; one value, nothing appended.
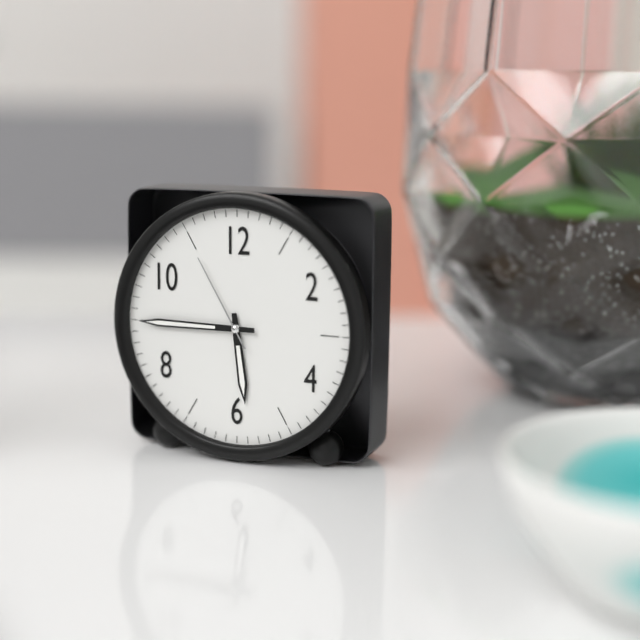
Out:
h=5 m=45 s=55
